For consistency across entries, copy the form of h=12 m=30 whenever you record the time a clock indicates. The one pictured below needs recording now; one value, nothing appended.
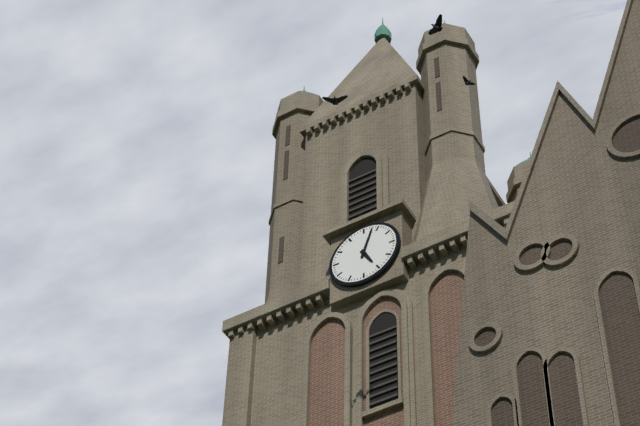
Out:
h=5 m=3
